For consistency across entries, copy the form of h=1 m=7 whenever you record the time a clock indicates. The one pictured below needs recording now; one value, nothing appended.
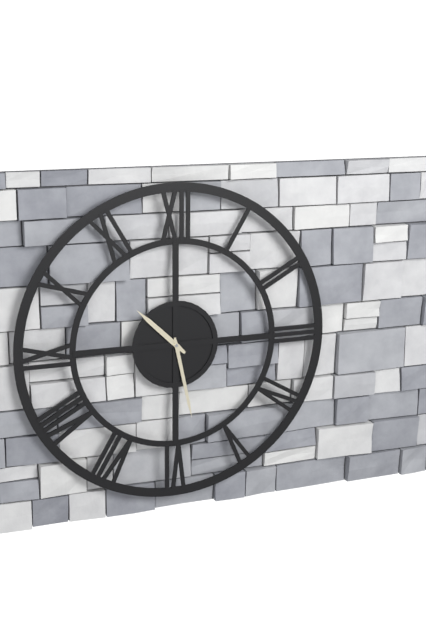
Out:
h=10 m=28
